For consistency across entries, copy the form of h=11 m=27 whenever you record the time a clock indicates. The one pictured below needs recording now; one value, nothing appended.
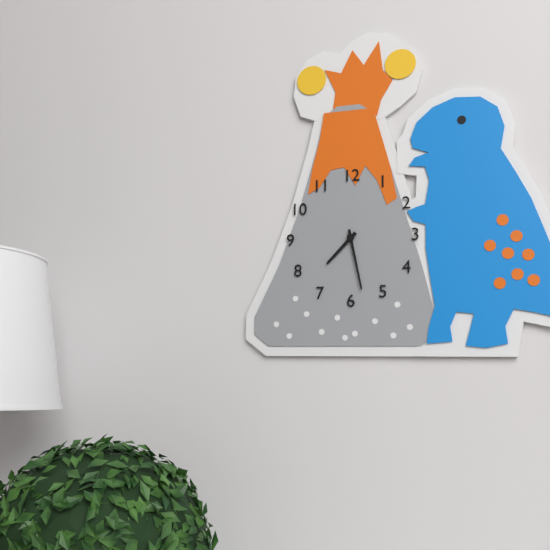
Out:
h=7 m=28
